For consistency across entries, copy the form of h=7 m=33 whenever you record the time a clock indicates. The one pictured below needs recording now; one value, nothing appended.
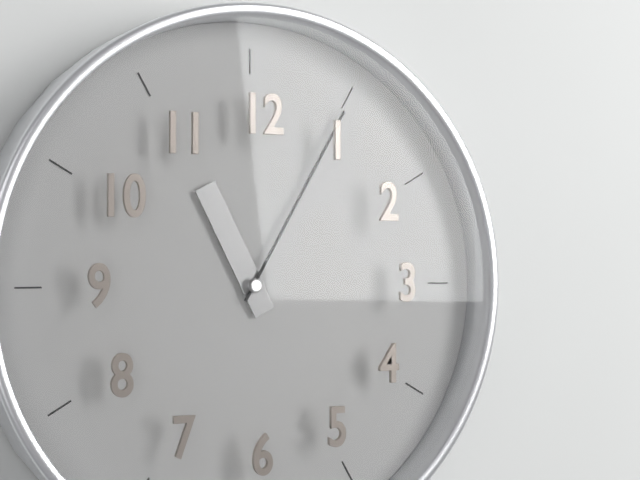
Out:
h=11 m=5
